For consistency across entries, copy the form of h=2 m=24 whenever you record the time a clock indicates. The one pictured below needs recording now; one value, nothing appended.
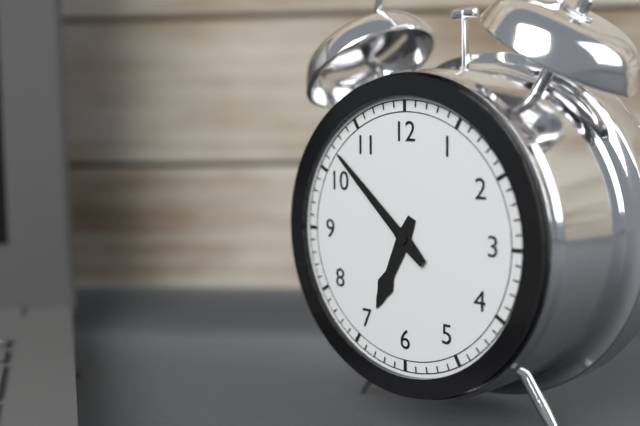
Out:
h=6 m=52
